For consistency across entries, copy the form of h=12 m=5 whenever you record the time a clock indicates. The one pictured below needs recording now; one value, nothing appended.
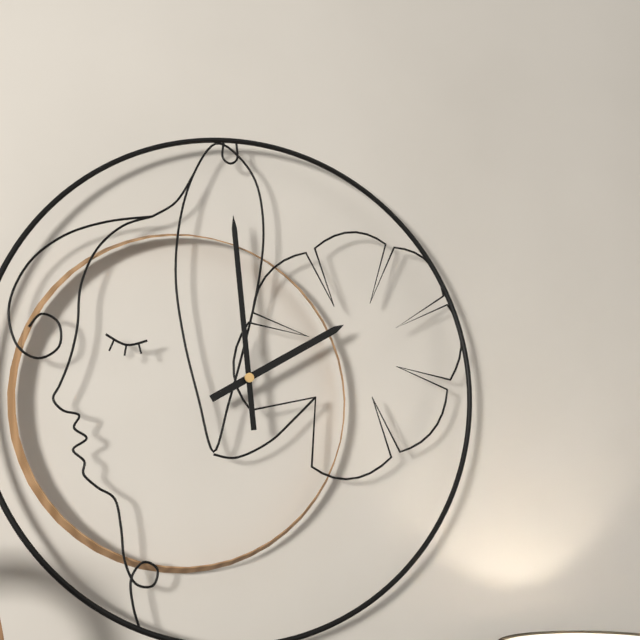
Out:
h=1 m=59
